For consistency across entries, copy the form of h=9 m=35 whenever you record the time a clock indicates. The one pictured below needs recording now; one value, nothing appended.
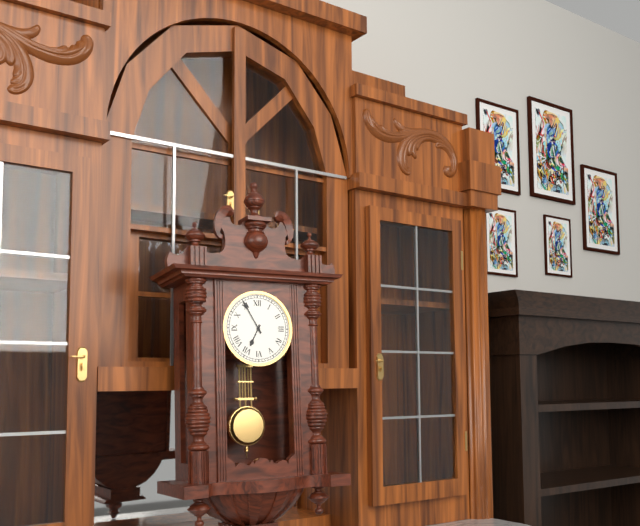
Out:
h=6 m=55
